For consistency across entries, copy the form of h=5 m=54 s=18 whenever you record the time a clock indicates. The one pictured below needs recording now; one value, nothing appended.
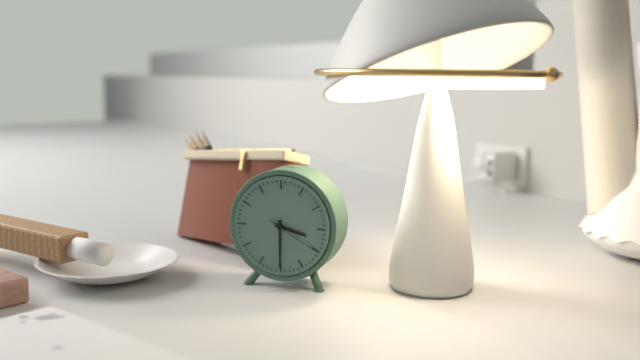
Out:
h=3 m=30 s=20
